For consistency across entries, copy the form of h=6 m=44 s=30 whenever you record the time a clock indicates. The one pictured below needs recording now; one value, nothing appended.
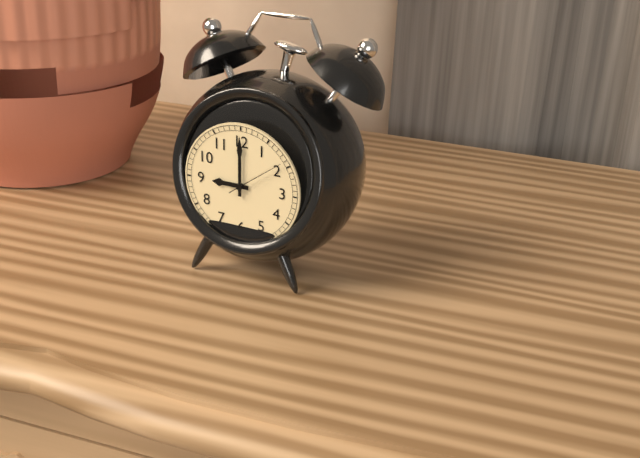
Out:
h=9 m=0 s=9
